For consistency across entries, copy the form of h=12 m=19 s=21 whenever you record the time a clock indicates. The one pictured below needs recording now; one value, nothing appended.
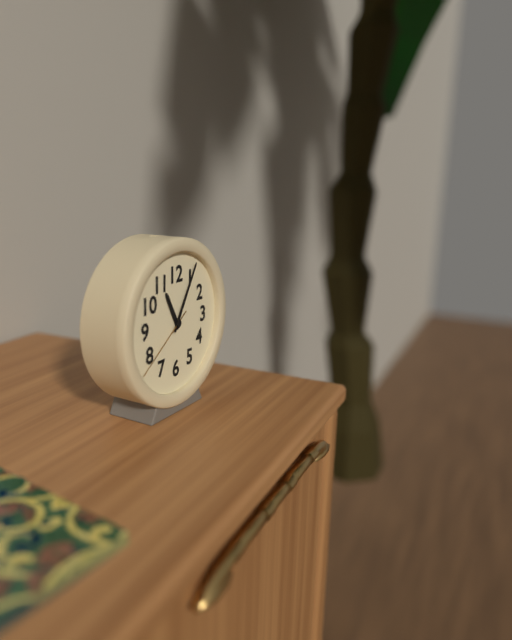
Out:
h=11 m=5 s=39
